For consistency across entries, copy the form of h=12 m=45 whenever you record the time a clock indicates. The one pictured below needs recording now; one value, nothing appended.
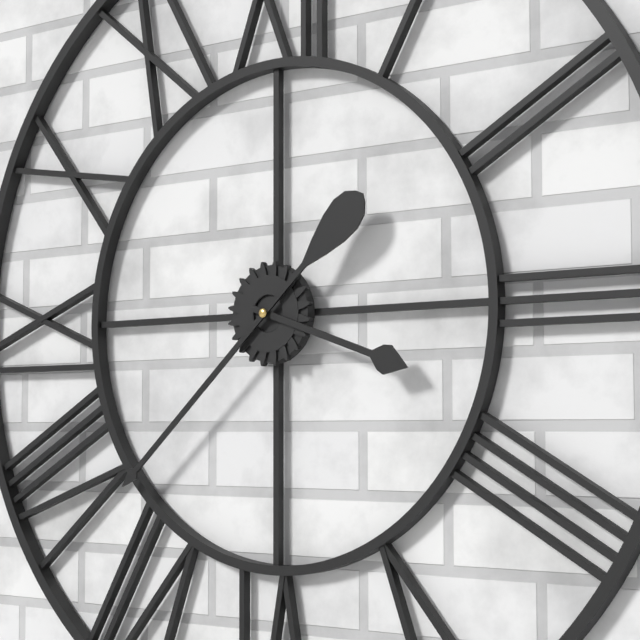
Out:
h=3 m=38
